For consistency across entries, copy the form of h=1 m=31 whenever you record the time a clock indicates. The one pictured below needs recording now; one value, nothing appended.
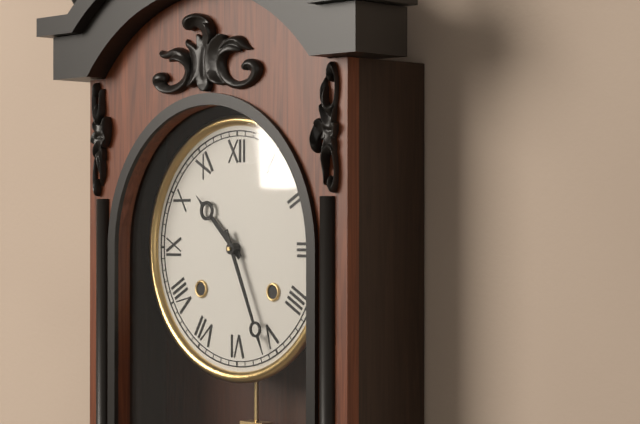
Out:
h=10 m=26
